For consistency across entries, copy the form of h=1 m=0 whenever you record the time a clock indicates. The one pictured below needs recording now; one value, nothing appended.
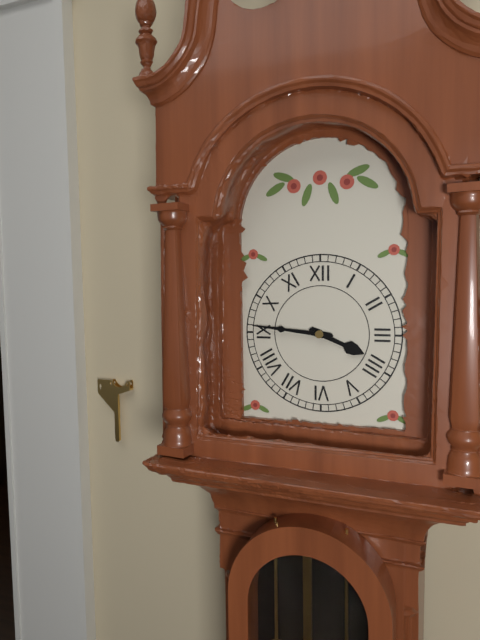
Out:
h=3 m=46
